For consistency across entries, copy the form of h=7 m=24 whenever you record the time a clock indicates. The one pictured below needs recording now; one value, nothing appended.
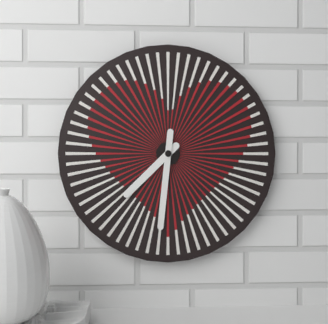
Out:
h=7 m=31
